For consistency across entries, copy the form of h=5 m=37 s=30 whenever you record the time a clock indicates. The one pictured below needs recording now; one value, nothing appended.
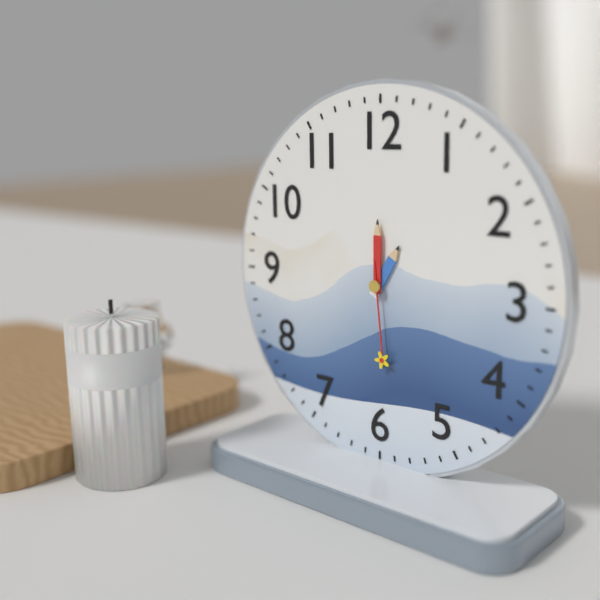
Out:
h=1 m=0 s=29
